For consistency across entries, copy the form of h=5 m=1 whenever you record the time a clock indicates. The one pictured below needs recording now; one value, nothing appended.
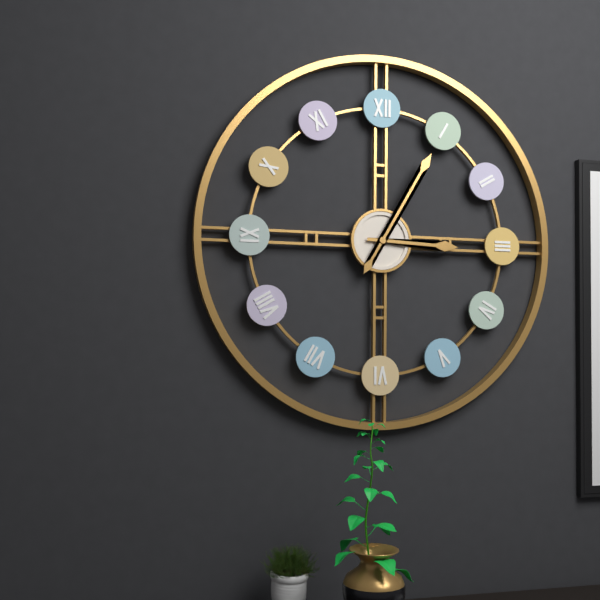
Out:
h=3 m=5
